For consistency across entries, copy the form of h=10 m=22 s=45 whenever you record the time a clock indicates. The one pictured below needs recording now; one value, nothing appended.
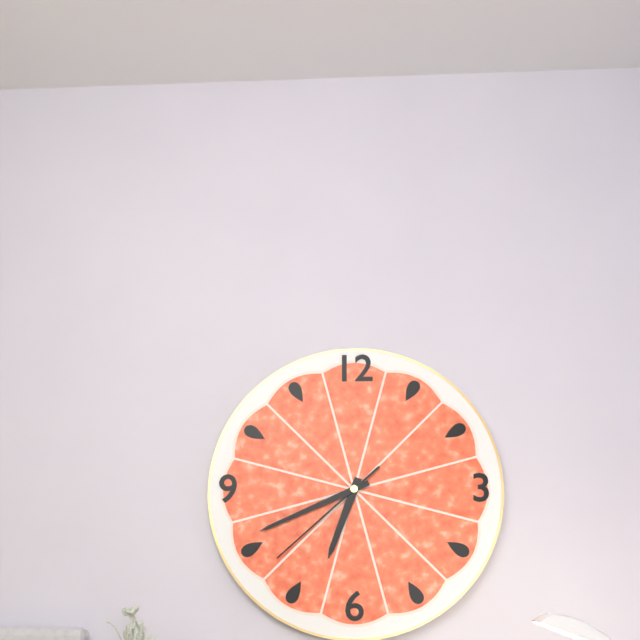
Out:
h=6 m=41 s=38
